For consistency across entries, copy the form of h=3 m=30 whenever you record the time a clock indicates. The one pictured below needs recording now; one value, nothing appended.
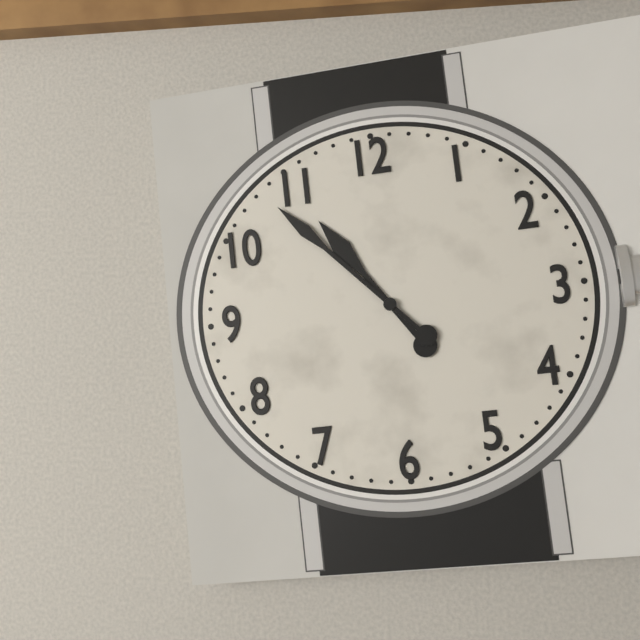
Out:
h=10 m=53
